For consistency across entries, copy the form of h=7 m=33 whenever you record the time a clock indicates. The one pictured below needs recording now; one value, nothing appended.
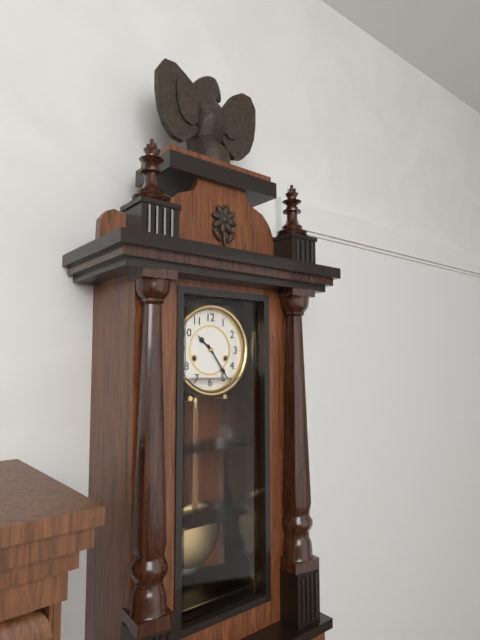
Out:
h=10 m=24
